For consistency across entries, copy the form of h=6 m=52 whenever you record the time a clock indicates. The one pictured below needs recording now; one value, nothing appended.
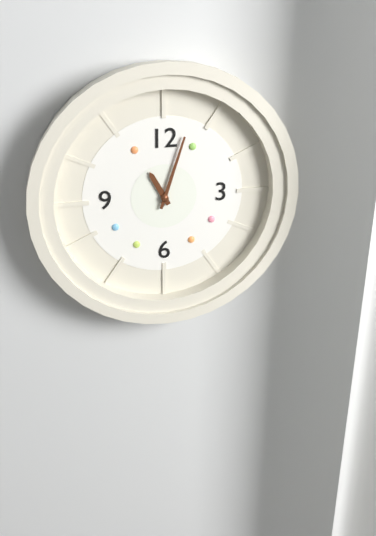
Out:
h=11 m=3
